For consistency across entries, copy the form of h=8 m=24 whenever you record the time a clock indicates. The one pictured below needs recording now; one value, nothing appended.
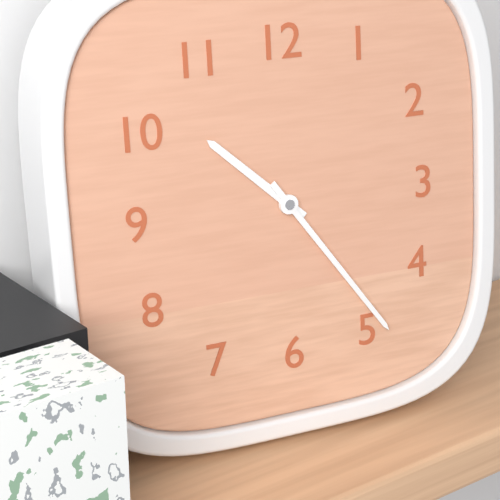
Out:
h=10 m=24
